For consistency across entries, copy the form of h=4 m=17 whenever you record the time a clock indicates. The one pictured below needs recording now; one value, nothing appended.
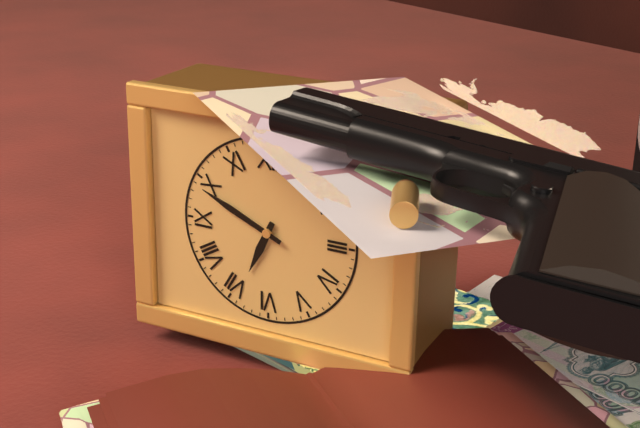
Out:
h=6 m=49
